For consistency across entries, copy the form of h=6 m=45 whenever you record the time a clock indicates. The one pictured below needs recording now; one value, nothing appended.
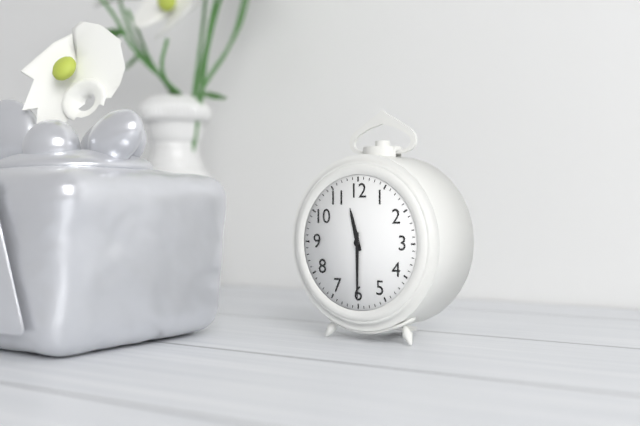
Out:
h=11 m=30
